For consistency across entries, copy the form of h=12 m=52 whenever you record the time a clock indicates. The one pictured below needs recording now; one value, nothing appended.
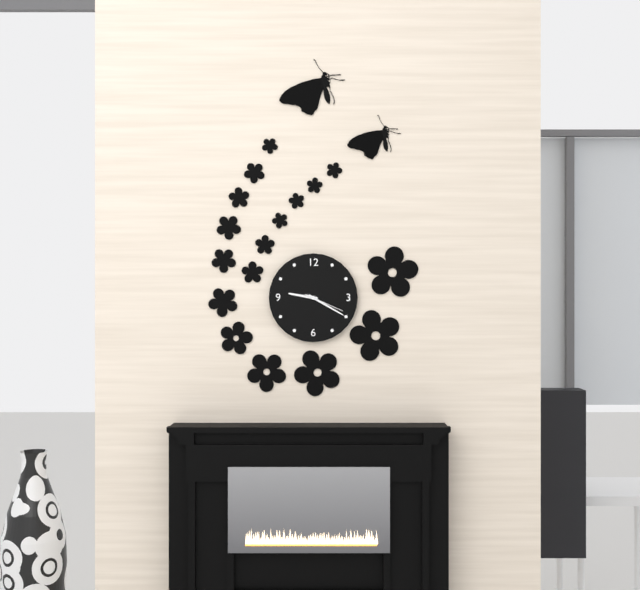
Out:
h=9 m=20
